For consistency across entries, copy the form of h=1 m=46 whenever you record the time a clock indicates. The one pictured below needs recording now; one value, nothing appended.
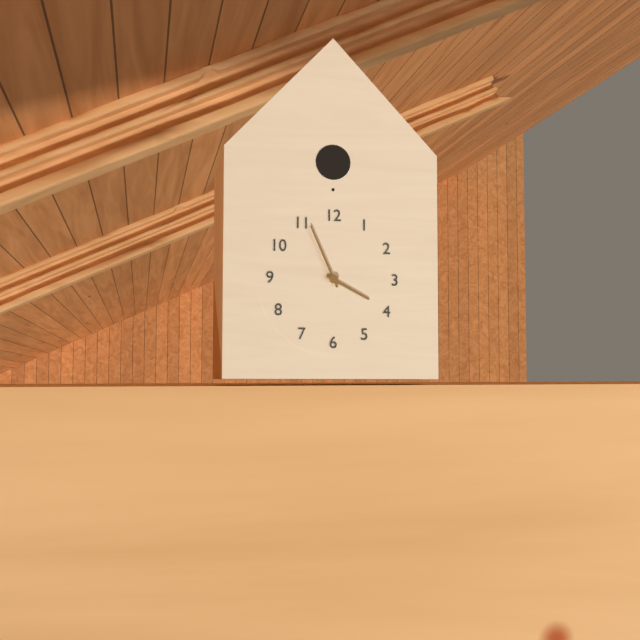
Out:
h=3 m=56
